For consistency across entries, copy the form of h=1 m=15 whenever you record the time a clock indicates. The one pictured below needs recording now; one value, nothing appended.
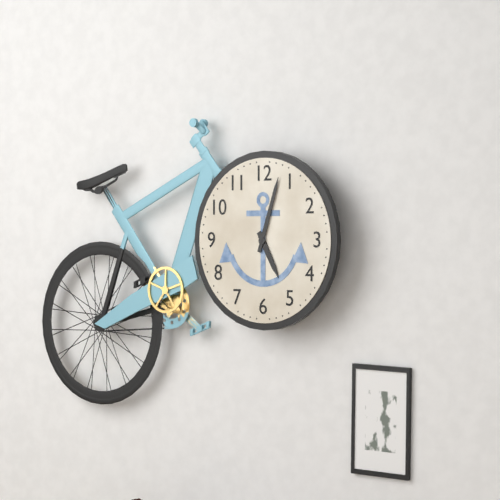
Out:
h=5 m=3
